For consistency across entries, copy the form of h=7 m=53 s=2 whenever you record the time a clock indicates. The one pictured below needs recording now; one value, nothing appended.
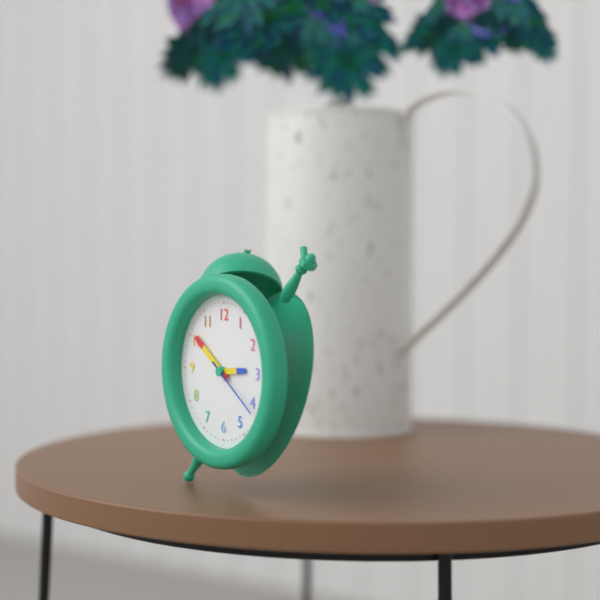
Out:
h=2 m=51 s=21
